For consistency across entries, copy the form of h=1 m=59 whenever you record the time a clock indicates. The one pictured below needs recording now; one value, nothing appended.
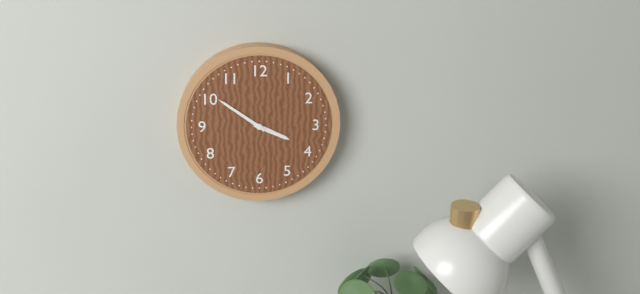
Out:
h=3 m=51
